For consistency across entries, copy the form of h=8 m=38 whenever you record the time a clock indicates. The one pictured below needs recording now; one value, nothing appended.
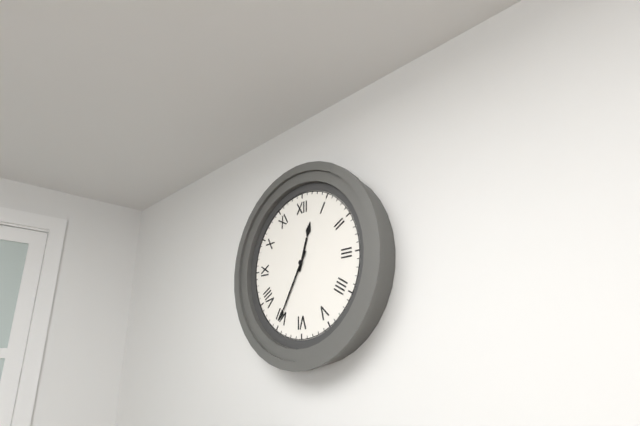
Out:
h=12 m=35
